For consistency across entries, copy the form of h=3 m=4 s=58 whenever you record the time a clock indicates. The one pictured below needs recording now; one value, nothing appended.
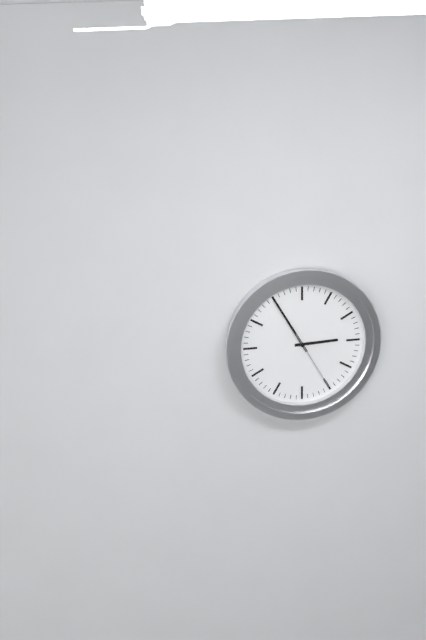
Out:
h=2 m=55 s=25
